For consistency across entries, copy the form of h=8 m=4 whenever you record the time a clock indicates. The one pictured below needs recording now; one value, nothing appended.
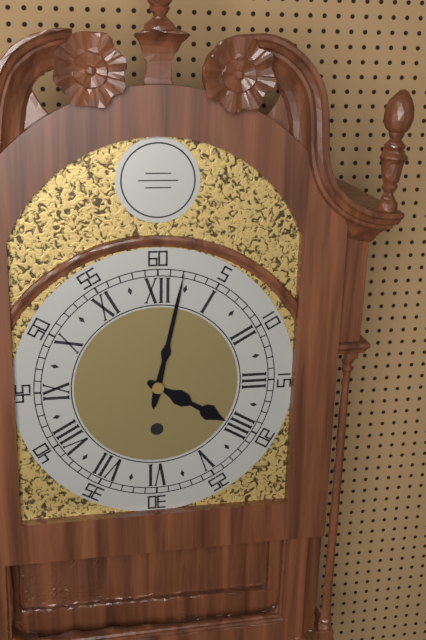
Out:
h=4 m=2
